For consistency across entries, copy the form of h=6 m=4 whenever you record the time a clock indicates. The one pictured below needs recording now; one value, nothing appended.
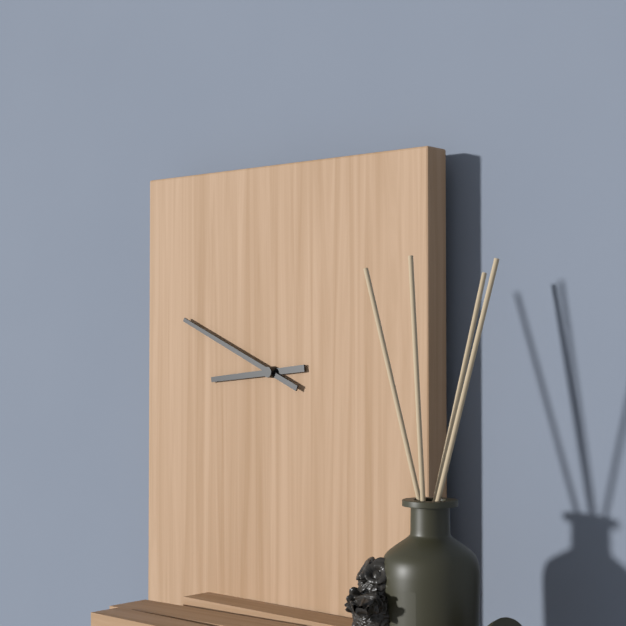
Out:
h=8 m=49
